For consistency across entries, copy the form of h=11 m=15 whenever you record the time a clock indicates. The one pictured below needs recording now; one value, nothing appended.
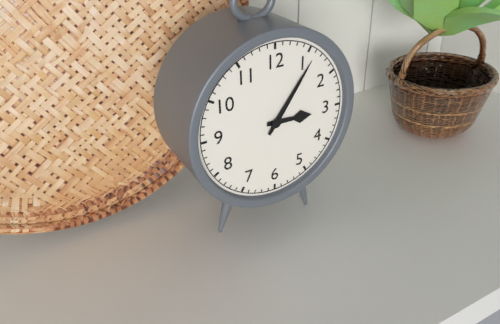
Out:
h=3 m=6
